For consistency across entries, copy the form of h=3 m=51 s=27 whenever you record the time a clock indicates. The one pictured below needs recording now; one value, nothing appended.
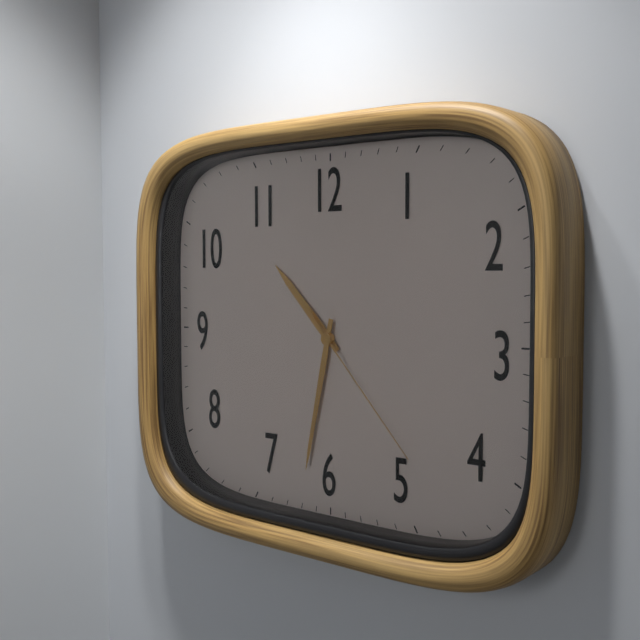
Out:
h=10 m=32 s=23
